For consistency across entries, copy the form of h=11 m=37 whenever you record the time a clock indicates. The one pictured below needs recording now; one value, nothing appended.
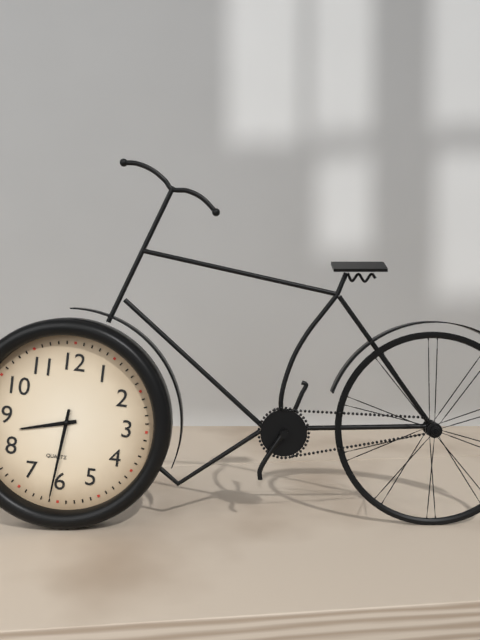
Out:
h=8 m=31
